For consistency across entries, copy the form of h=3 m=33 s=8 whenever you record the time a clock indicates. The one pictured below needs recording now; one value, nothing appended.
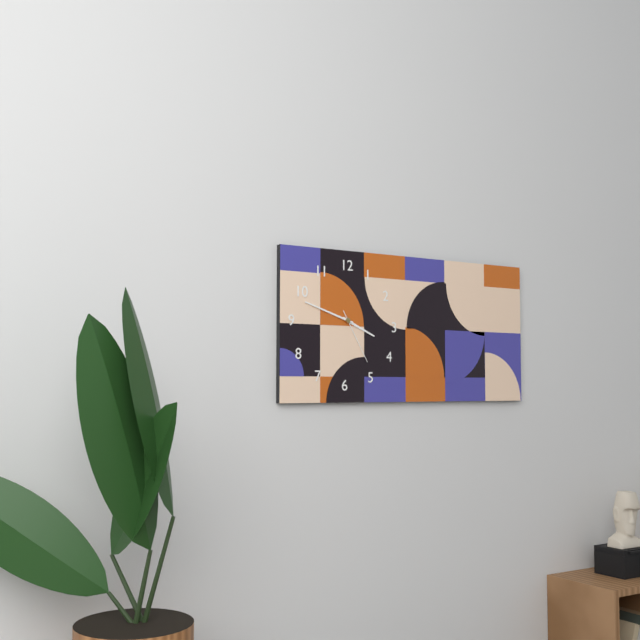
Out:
h=3 m=48 s=25
